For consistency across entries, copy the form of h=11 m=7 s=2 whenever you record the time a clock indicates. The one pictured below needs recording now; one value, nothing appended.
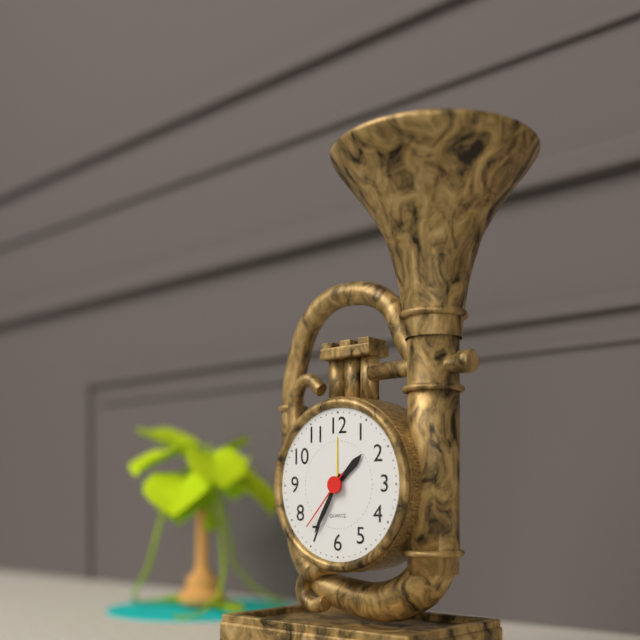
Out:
h=1 m=35 s=37
